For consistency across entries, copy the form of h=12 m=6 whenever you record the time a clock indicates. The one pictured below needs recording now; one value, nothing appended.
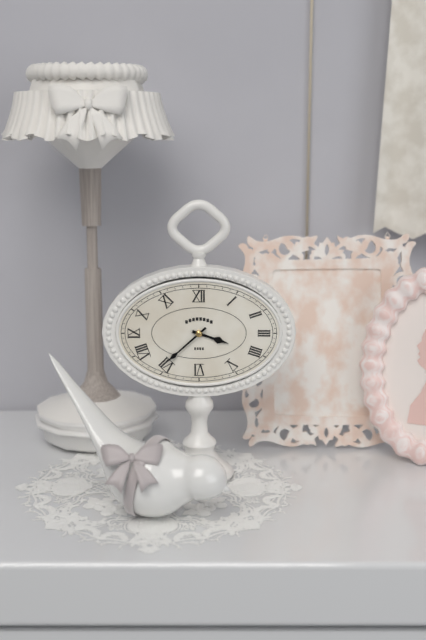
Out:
h=3 m=38
